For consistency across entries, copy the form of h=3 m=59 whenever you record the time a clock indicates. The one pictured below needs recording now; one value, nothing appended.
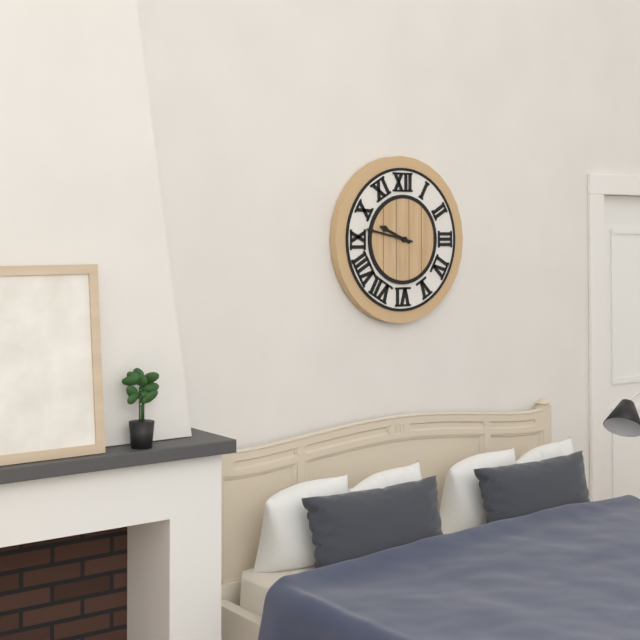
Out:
h=9 m=47
